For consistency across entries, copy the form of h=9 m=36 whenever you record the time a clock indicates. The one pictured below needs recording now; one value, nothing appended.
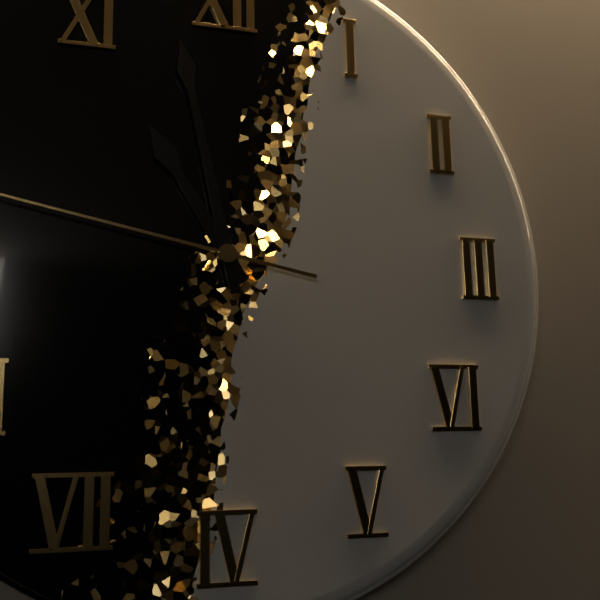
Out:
h=10 m=58
